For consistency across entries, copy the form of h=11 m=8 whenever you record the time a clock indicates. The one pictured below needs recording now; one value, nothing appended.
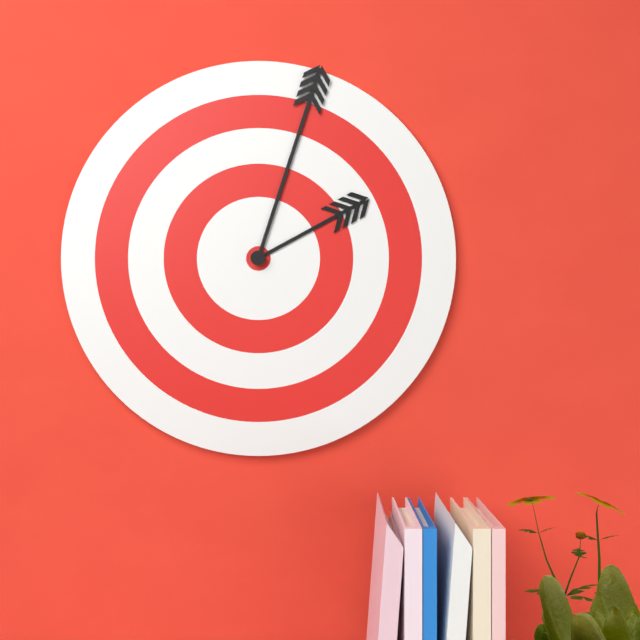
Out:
h=2 m=3
